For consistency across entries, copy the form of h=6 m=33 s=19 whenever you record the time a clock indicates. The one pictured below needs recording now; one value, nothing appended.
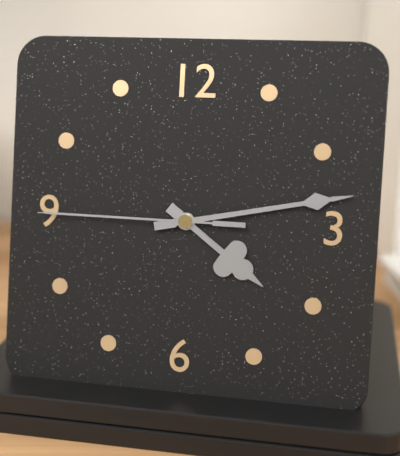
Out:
h=4 m=13 s=45
